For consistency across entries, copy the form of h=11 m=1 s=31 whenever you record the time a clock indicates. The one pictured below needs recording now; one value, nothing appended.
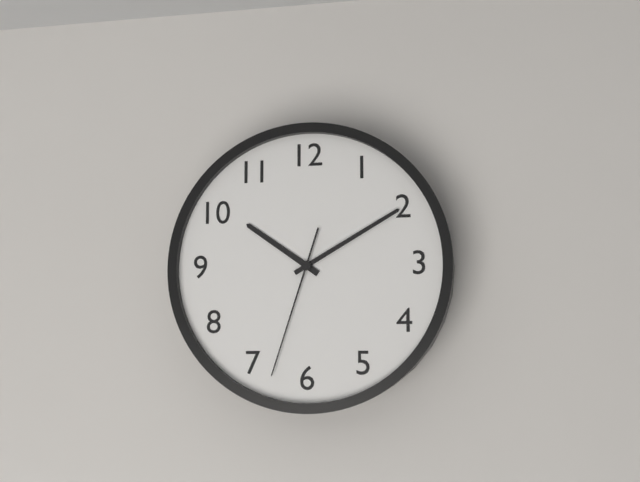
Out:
h=10 m=10 s=33
